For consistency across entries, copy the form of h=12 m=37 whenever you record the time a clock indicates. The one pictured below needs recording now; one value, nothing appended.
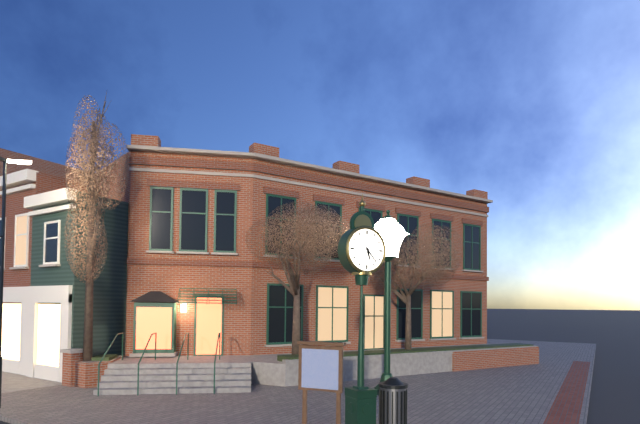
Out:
h=5 m=23
